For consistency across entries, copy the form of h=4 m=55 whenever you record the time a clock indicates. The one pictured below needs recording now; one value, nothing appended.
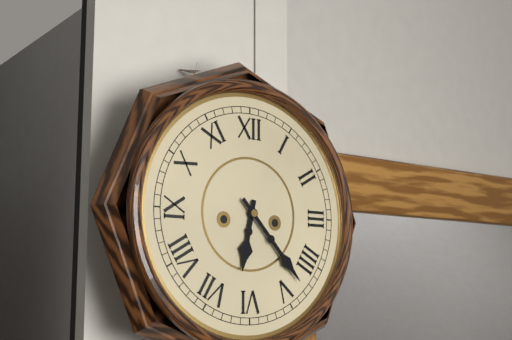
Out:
h=6 m=23
